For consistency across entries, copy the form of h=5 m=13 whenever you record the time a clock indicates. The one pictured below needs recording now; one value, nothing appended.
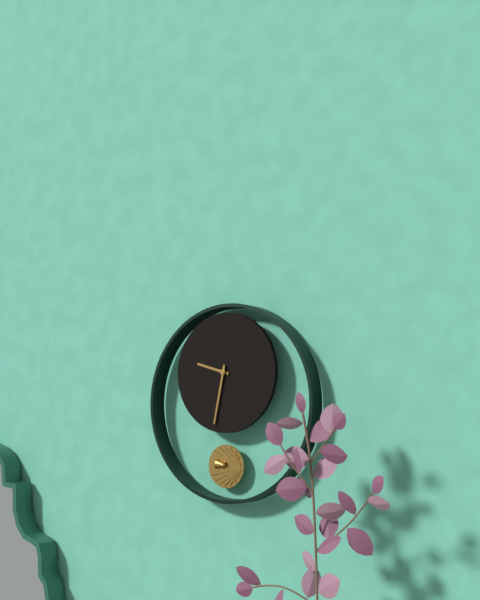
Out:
h=9 m=32
